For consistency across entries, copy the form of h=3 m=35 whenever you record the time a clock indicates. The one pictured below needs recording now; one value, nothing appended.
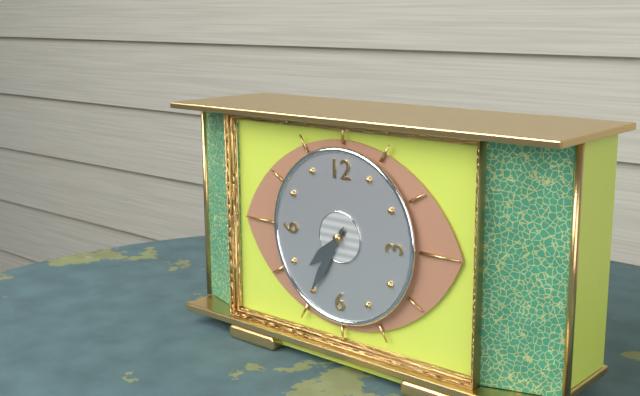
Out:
h=7 m=35
